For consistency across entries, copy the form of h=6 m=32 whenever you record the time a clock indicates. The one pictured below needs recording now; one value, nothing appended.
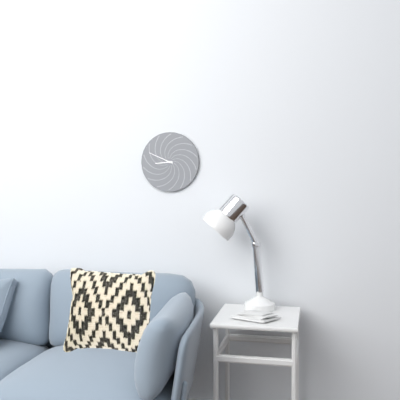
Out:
h=8 m=49
